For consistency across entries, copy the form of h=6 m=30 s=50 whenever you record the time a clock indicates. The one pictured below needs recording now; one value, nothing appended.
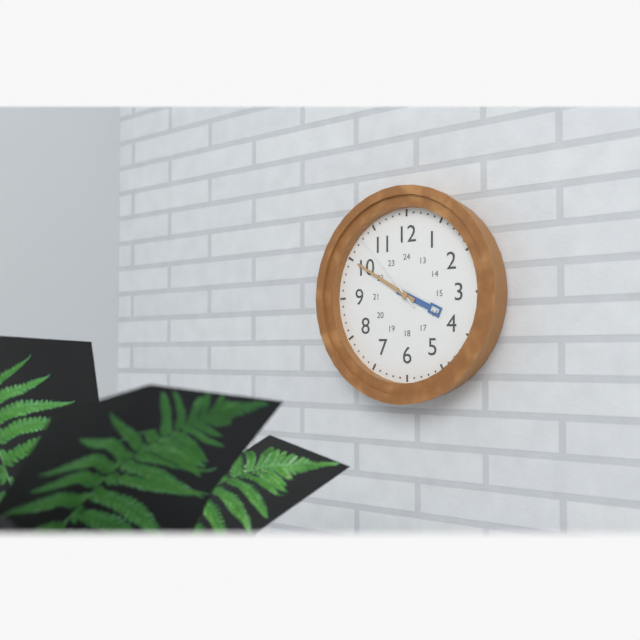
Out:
h=3 m=50 s=53
